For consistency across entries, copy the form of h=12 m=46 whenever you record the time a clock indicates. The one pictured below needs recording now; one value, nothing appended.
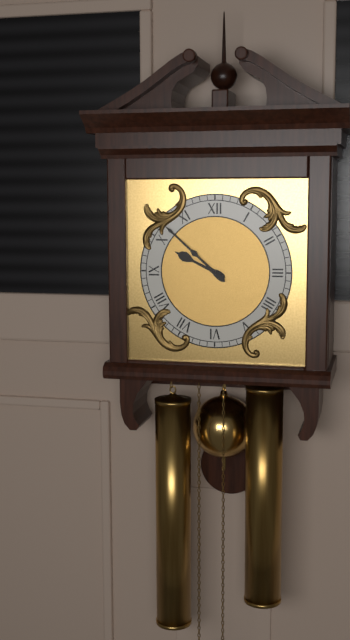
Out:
h=9 m=52
